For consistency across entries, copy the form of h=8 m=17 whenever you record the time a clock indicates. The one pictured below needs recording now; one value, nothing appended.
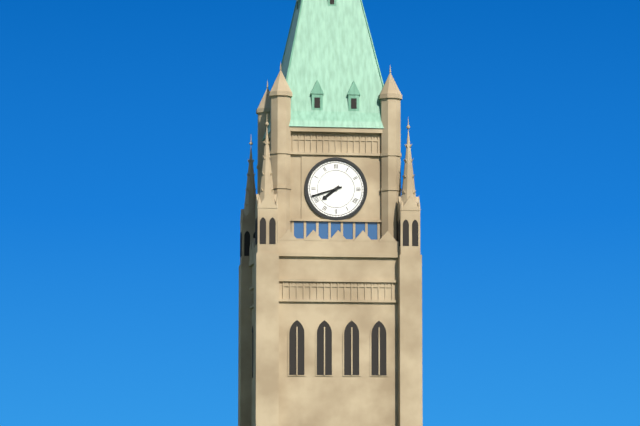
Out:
h=7 m=42
